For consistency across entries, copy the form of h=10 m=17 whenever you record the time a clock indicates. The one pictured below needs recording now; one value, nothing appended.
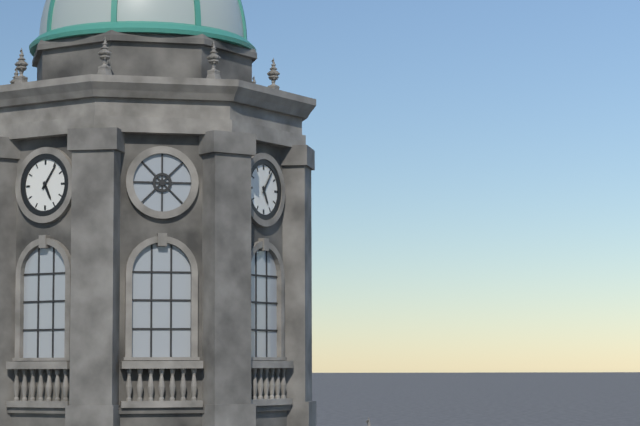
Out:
h=5 m=6
